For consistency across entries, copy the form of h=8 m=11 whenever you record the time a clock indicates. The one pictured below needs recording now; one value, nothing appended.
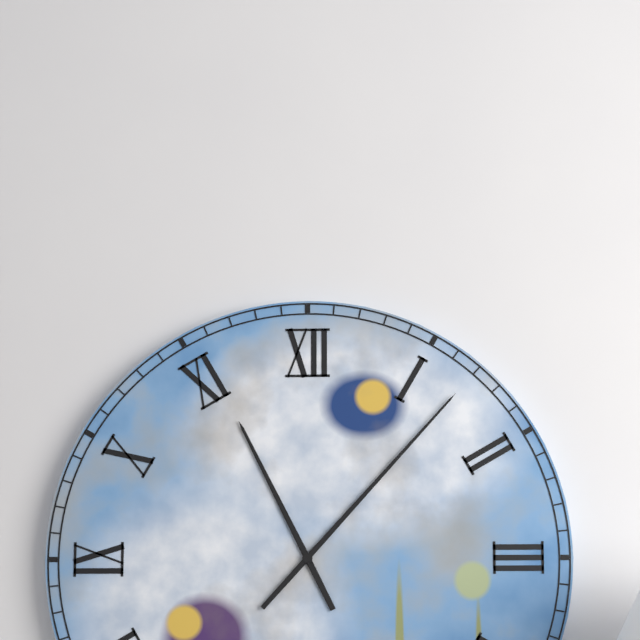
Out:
h=11 m=7
